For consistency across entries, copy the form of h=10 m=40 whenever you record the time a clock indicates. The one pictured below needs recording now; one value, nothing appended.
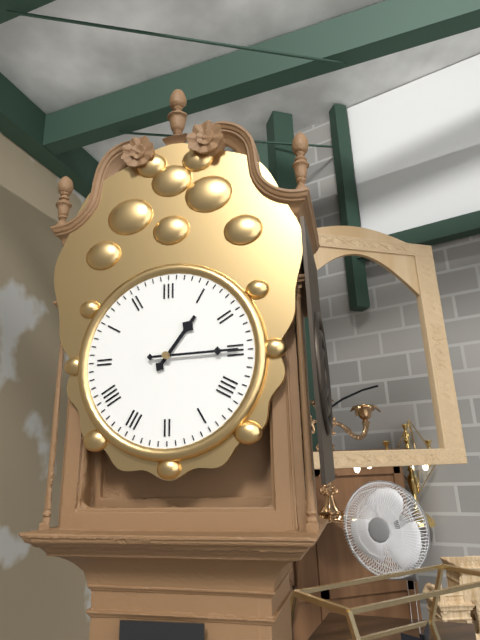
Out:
h=1 m=15
